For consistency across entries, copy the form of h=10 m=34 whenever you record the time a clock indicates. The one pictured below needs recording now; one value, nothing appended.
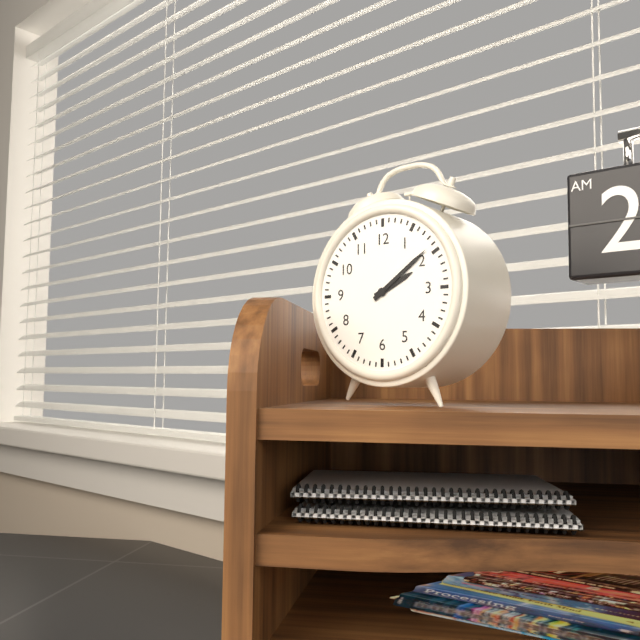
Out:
h=2 m=9
